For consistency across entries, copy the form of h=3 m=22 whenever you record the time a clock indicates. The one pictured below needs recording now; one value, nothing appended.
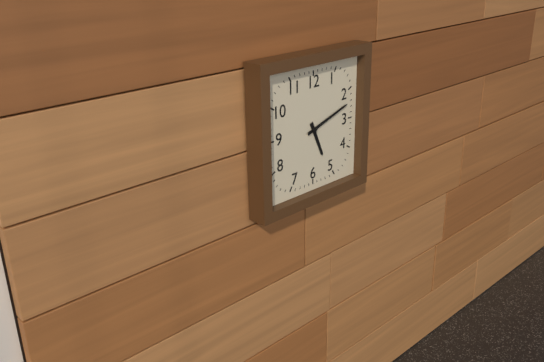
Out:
h=5 m=12
